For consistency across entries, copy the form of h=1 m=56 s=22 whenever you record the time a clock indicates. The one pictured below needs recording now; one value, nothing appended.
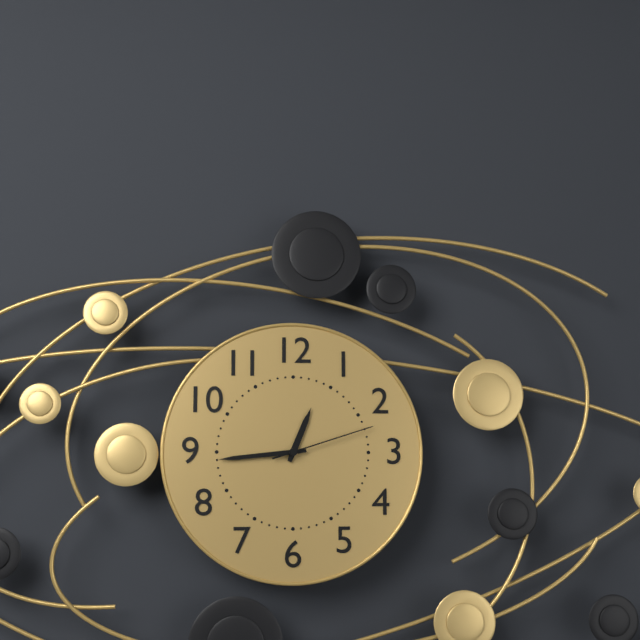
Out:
h=12 m=44 s=12
